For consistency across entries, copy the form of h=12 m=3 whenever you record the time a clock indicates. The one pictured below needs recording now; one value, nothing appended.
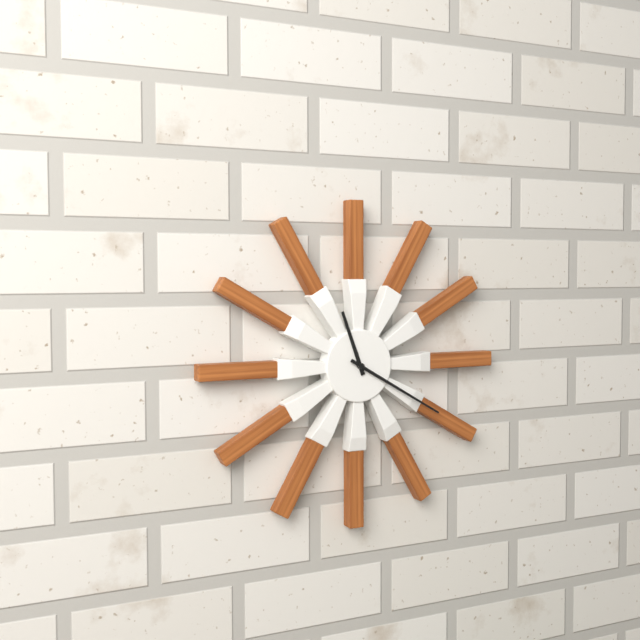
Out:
h=11 m=20
